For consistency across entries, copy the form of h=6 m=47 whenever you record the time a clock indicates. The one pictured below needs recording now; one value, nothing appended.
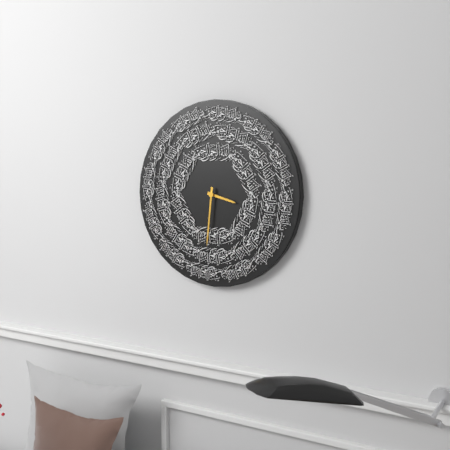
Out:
h=3 m=31
